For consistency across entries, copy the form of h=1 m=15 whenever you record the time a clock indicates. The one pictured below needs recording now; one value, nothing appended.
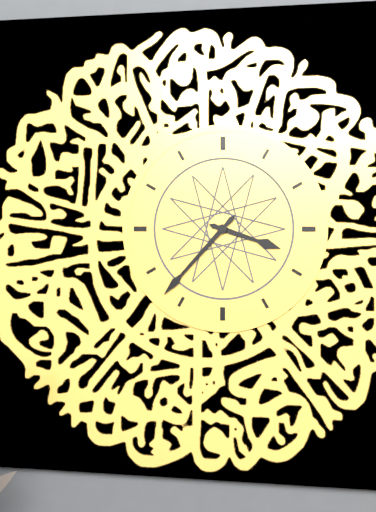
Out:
h=3 m=37
